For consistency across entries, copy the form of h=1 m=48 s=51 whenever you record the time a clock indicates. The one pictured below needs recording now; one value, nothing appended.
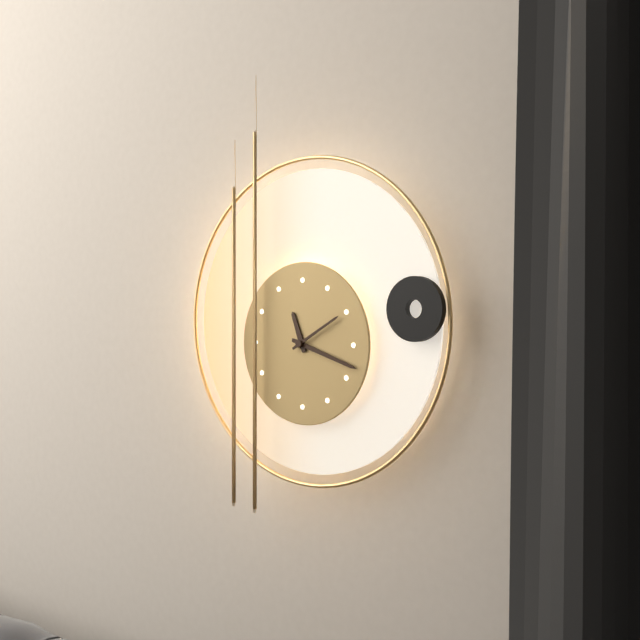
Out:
h=11 m=18 s=10
